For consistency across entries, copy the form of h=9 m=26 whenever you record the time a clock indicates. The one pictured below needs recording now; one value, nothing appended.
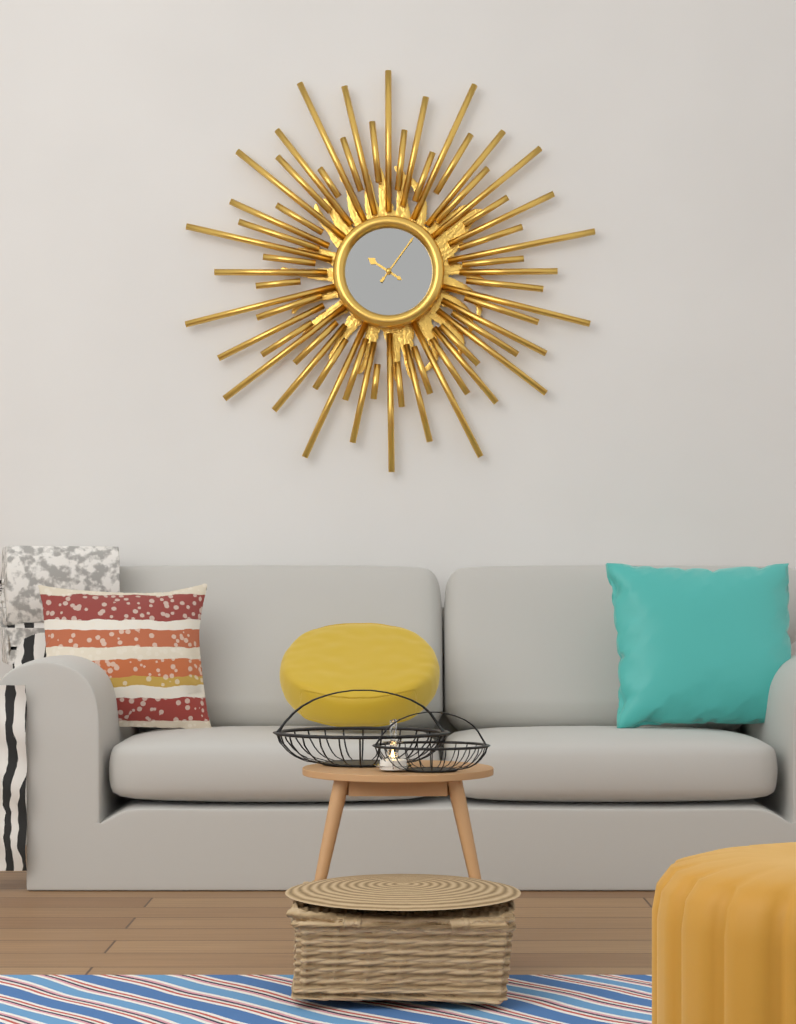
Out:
h=10 m=6
